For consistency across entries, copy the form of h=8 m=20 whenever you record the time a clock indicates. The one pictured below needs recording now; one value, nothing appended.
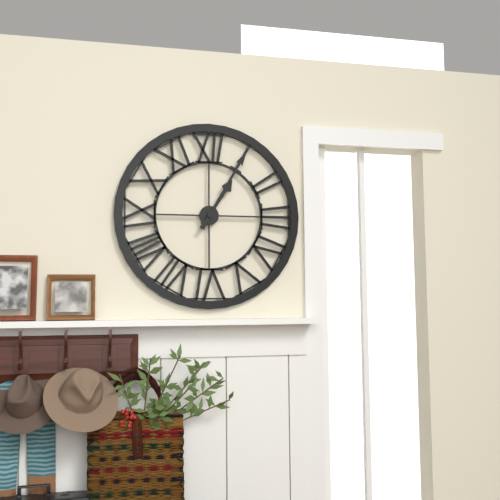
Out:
h=1 m=5
